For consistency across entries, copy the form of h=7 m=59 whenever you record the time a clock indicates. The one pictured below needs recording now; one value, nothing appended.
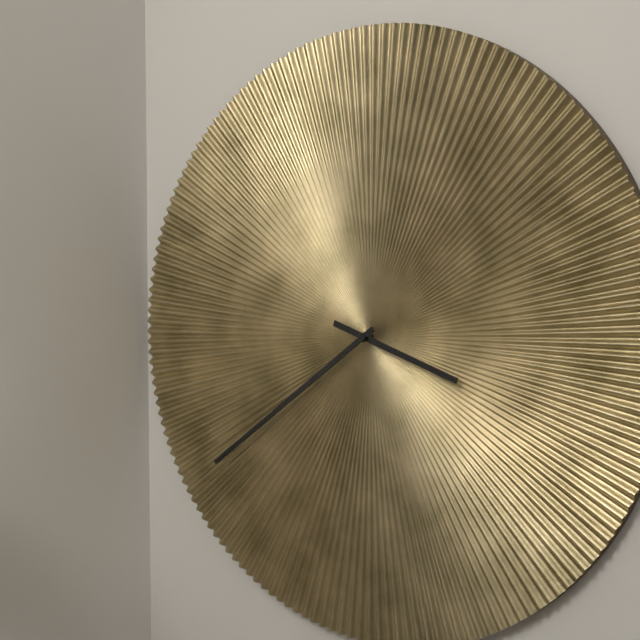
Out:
h=3 m=39
